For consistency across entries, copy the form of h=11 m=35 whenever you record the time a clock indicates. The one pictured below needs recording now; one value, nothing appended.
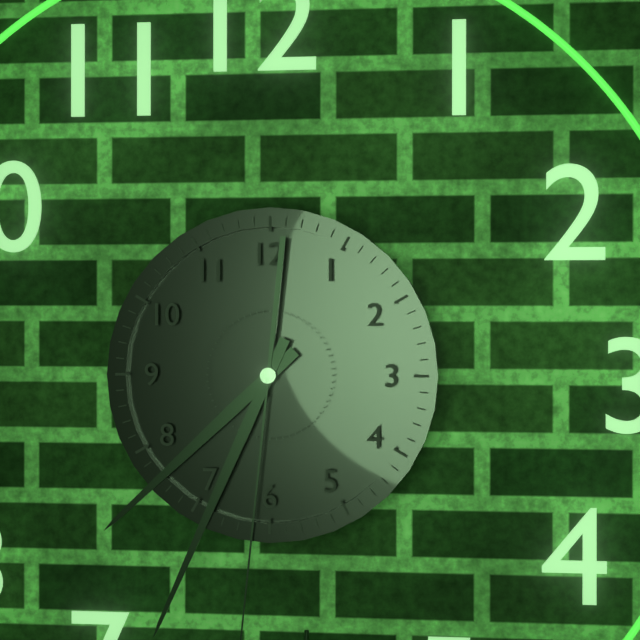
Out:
h=7 m=34
